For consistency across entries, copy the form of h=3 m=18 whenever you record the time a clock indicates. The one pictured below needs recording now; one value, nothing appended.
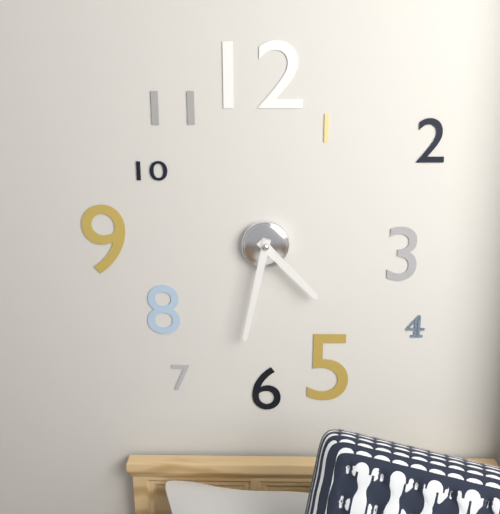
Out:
h=4 m=32
